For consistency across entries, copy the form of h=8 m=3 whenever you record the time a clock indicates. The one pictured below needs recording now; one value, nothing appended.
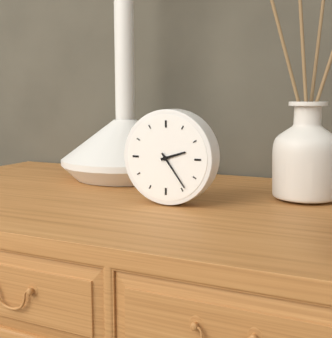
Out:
h=2 m=24
